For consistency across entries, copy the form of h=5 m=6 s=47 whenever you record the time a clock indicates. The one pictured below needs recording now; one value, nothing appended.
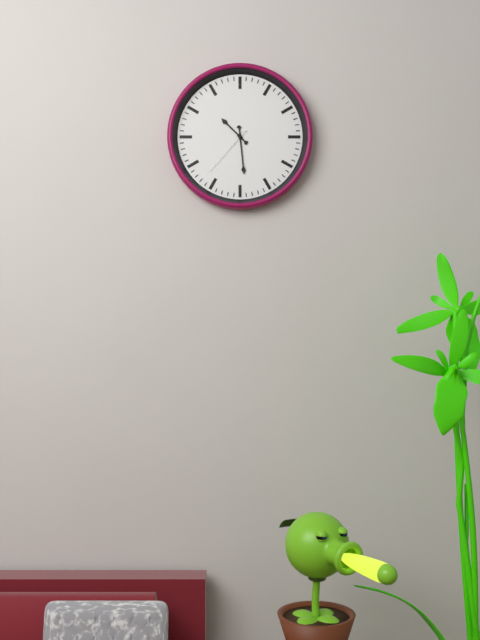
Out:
h=10 m=29 s=37
